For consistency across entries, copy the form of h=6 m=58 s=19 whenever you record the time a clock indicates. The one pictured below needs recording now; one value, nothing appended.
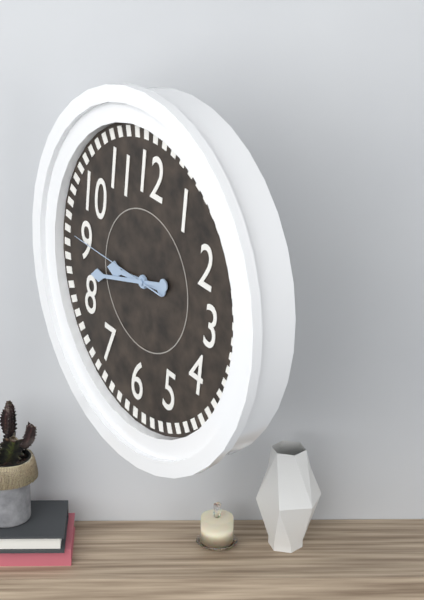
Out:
h=8 m=42 s=45
